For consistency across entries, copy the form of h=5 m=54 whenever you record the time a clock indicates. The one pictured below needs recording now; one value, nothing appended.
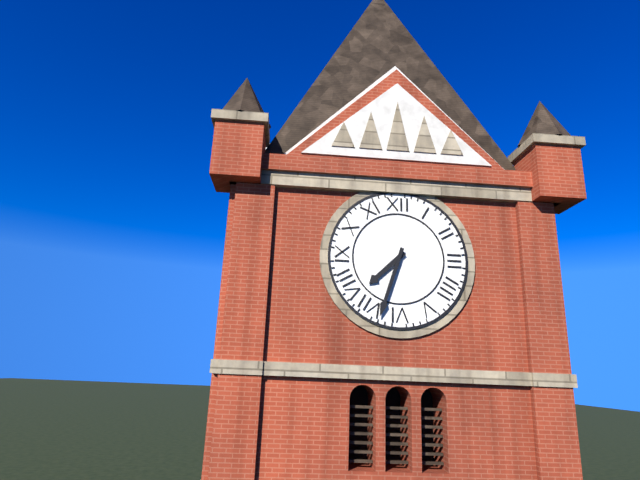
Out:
h=7 m=33
